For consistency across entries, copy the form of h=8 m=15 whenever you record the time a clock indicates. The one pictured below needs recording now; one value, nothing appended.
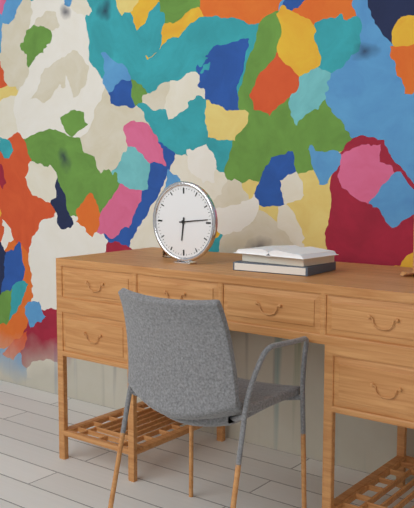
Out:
h=6 m=14
